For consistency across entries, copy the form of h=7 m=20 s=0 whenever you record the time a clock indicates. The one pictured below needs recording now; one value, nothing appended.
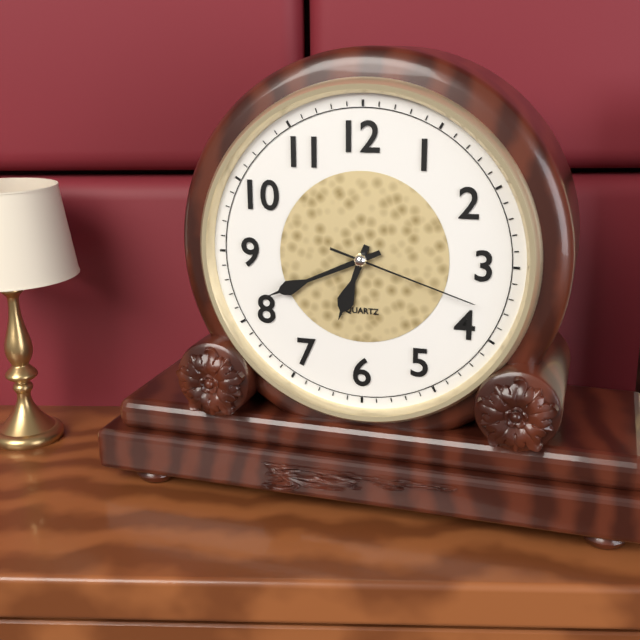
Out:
h=6 m=41 s=18
